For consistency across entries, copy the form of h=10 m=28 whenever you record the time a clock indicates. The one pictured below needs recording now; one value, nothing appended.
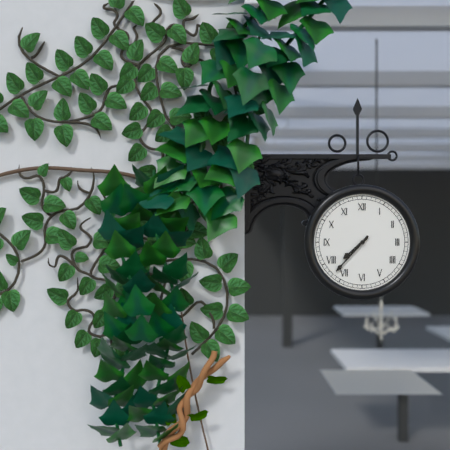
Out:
h=7 m=37
